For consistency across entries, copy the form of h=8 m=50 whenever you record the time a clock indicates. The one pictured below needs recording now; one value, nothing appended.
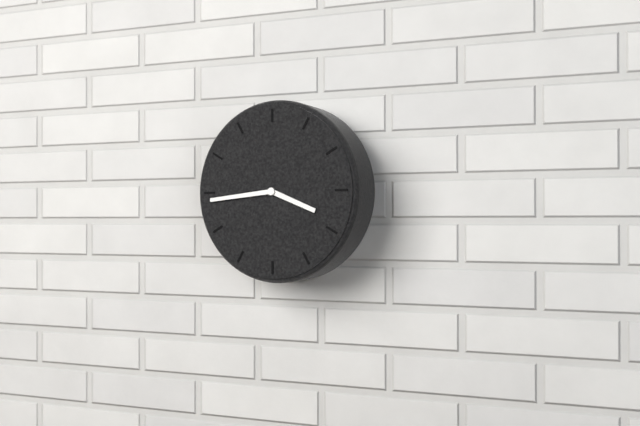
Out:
h=3 m=44
